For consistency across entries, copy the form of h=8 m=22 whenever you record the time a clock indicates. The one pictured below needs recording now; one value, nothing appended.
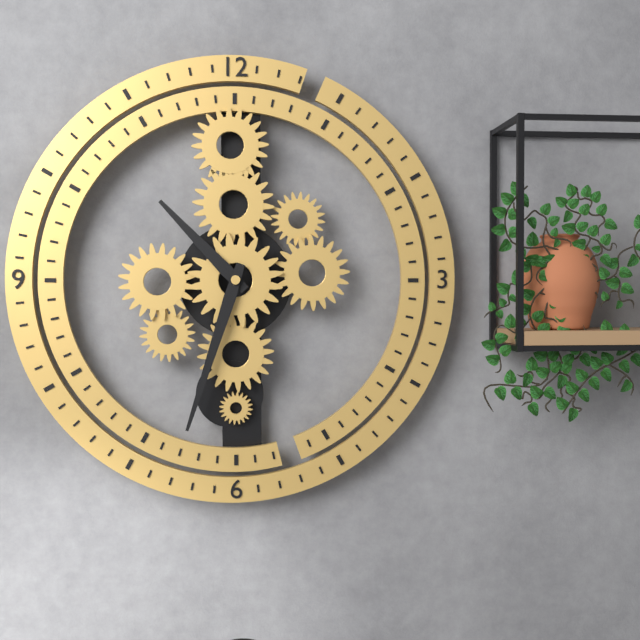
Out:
h=10 m=33
